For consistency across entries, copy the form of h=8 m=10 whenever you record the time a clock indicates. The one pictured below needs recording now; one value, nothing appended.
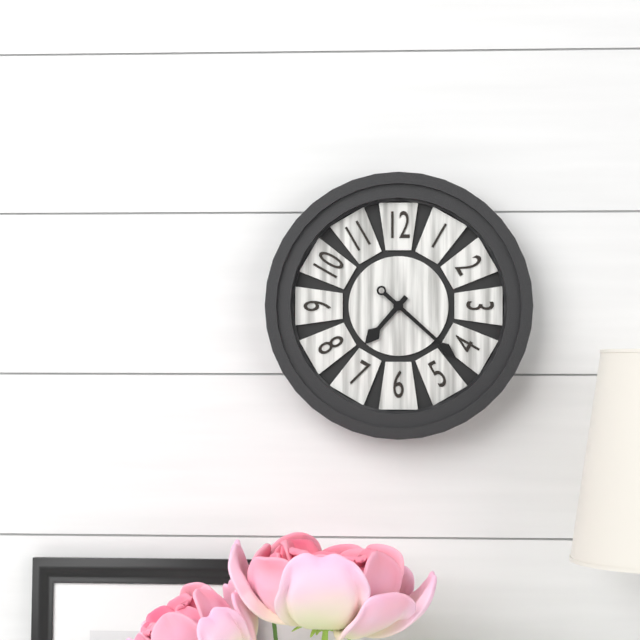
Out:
h=7 m=22
